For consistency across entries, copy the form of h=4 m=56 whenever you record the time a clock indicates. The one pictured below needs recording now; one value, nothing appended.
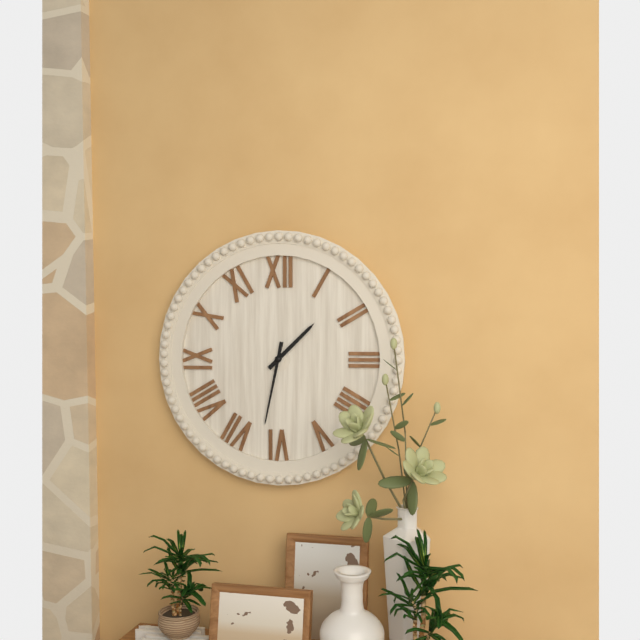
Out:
h=1 m=32
